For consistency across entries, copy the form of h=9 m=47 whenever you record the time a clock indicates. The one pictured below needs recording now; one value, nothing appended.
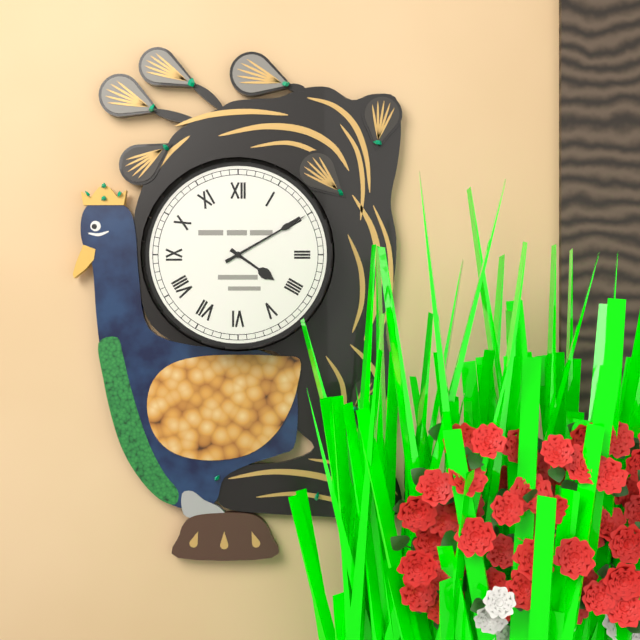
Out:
h=4 m=10
